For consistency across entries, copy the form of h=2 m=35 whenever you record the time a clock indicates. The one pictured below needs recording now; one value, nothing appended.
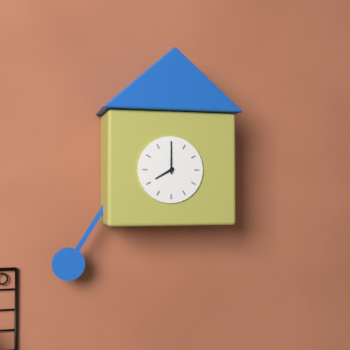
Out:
h=8 m=0
